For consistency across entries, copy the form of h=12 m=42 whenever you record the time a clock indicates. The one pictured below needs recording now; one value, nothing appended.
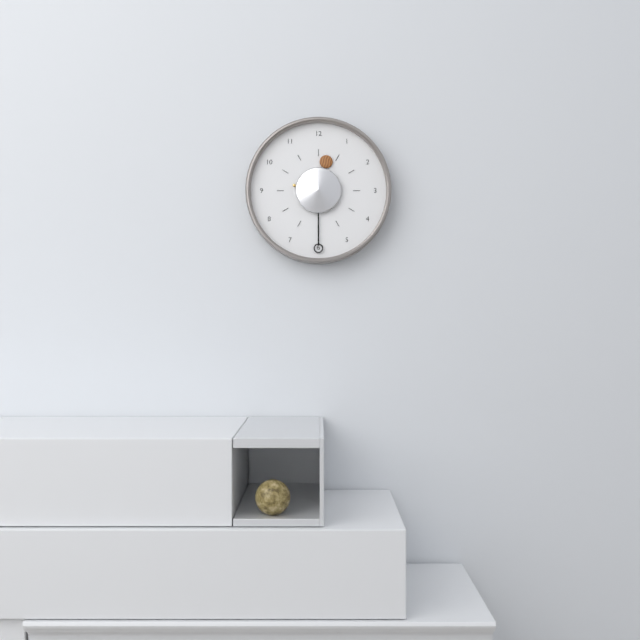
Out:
h=12 m=30
